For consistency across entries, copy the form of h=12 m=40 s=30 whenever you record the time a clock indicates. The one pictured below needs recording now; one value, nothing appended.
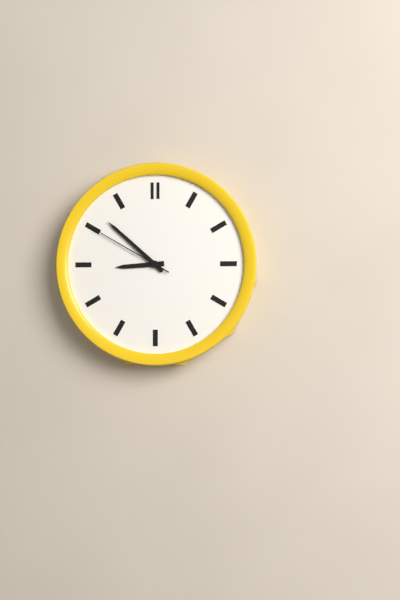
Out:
h=8 m=52 s=50
